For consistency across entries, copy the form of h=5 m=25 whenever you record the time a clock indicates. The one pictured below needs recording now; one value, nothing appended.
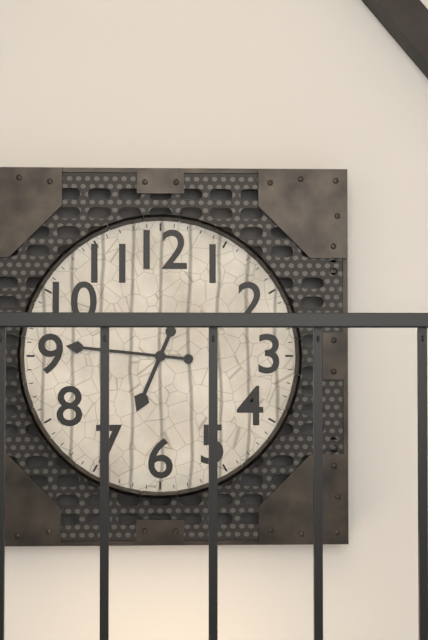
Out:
h=6 m=46
